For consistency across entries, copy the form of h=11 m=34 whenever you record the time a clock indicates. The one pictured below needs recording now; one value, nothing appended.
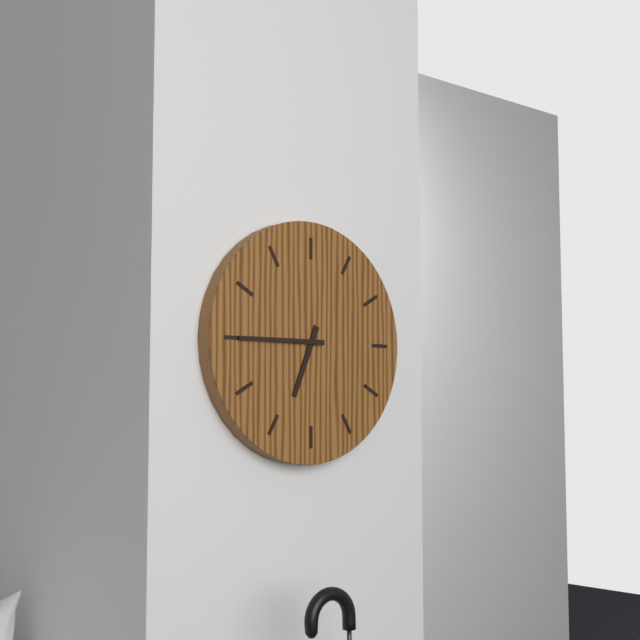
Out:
h=6 m=45
